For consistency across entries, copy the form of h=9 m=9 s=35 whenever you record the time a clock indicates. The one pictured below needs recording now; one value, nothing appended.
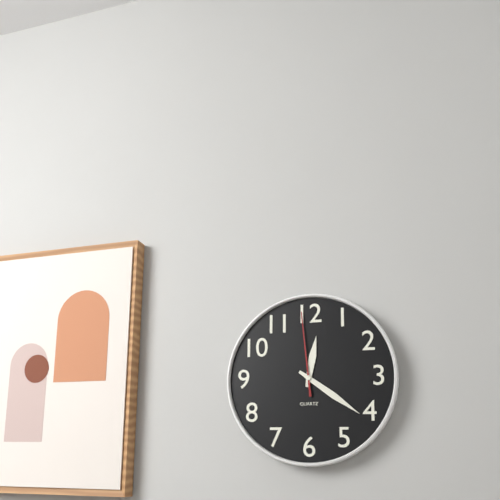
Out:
h=12 m=21 s=59
